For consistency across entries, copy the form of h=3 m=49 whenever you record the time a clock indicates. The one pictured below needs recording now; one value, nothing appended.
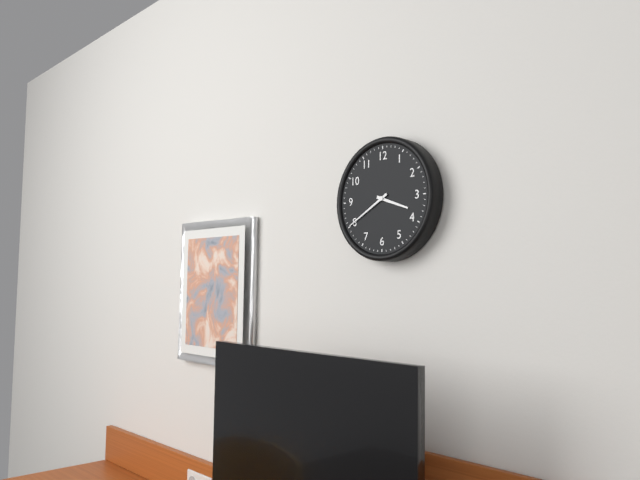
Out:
h=3 m=40
